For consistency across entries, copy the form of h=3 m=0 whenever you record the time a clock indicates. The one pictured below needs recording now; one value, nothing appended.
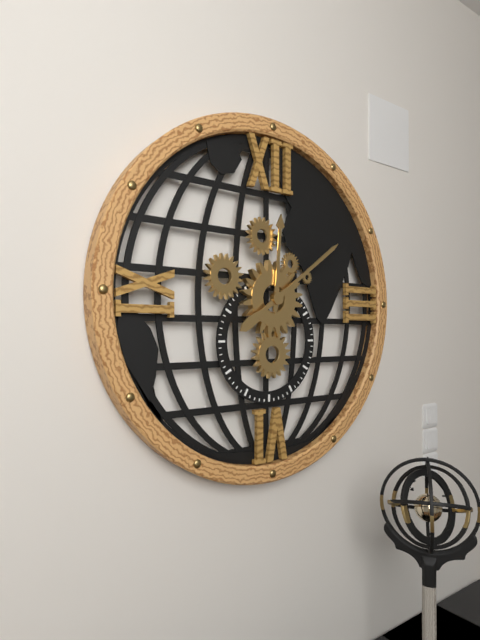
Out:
h=12 m=9
